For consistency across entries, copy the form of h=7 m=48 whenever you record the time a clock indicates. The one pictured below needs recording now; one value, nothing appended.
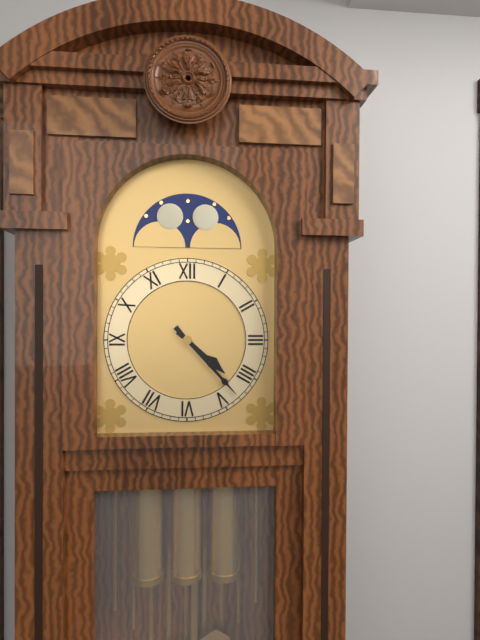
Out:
h=4 m=23
